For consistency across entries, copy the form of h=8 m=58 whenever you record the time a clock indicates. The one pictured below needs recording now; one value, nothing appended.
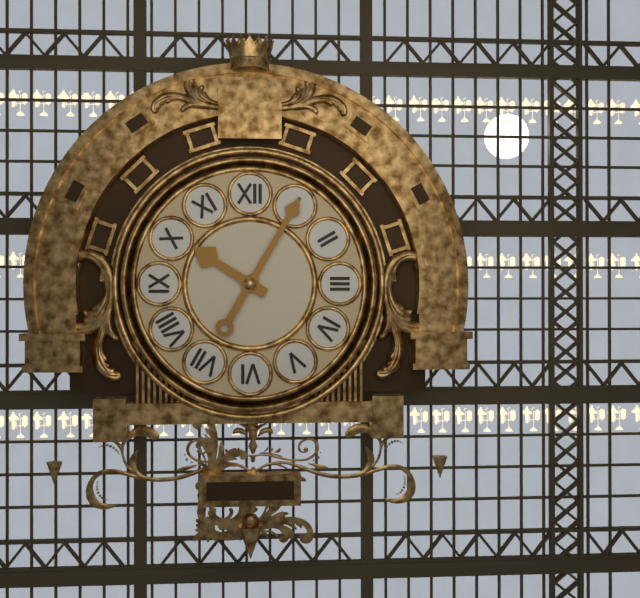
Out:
h=10 m=5
